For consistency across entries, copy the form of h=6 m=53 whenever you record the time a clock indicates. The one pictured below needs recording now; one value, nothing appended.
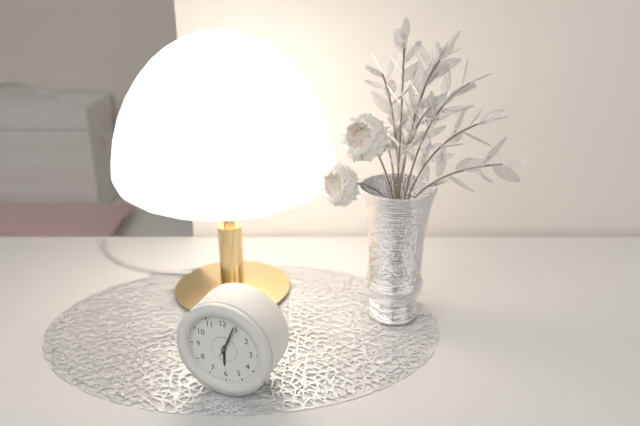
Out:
h=6 m=4
